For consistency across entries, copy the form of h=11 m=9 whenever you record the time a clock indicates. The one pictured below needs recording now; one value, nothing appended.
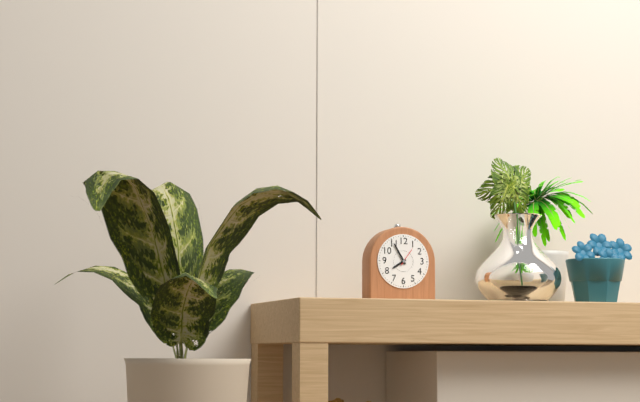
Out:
h=7 m=55
